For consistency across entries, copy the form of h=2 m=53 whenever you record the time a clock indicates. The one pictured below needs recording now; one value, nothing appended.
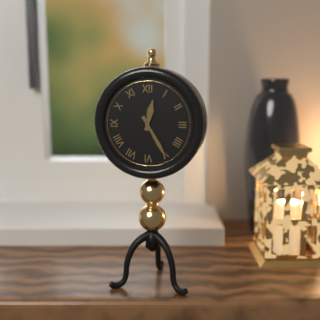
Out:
h=12 m=25
